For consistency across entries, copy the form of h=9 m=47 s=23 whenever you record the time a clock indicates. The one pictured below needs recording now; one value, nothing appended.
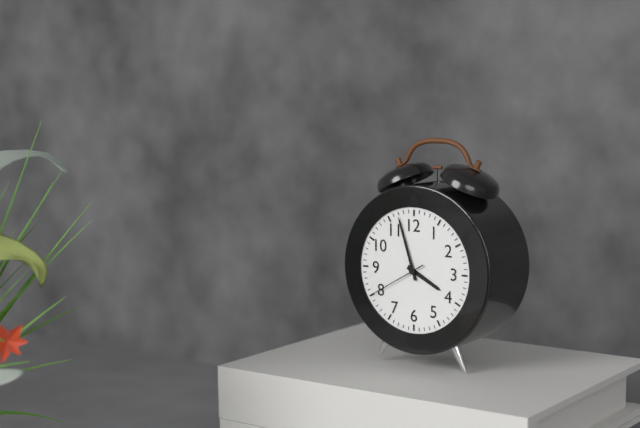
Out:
h=3 m=57 s=40
